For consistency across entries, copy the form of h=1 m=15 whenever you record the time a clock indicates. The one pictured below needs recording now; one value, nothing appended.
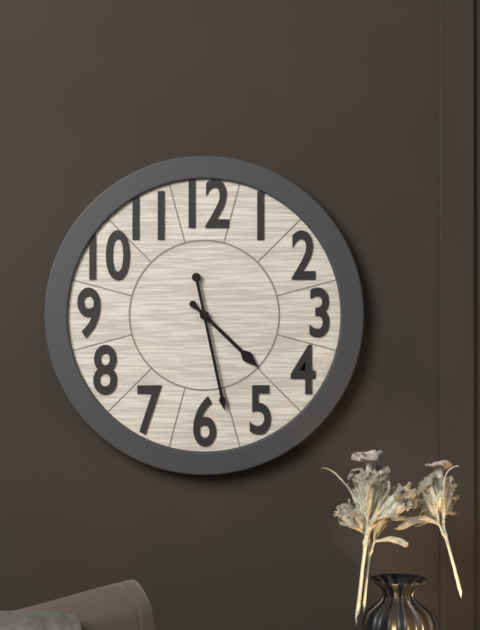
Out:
h=4 m=28
